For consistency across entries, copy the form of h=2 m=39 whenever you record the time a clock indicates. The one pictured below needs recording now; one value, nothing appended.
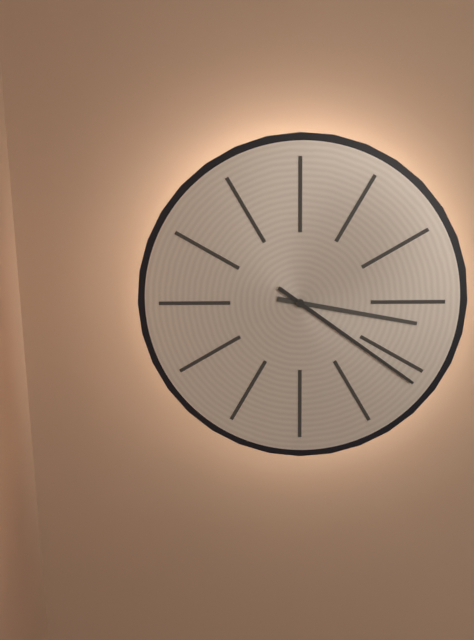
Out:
h=3 m=21
